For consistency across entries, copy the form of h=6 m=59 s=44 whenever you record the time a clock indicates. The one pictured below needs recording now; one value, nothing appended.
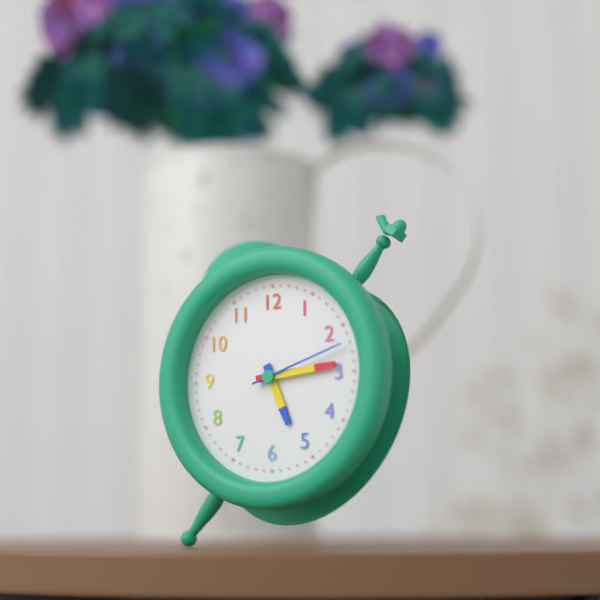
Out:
h=5 m=14 s=12
